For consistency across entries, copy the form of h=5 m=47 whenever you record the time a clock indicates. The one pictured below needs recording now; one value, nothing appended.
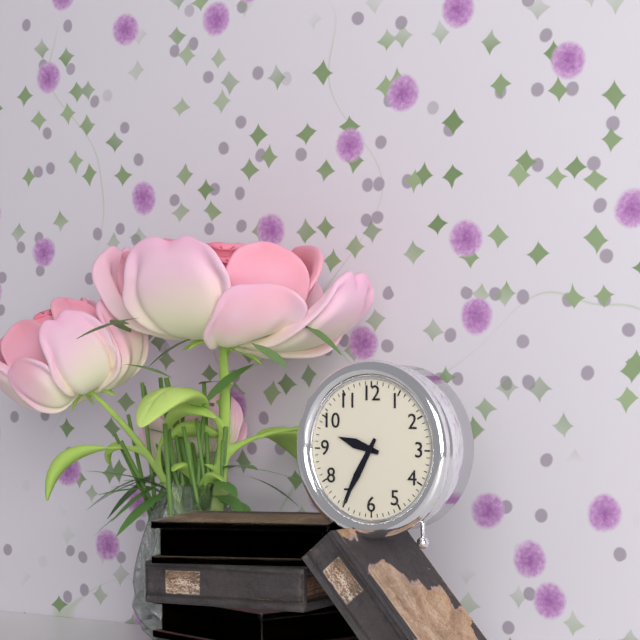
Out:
h=9 m=35
